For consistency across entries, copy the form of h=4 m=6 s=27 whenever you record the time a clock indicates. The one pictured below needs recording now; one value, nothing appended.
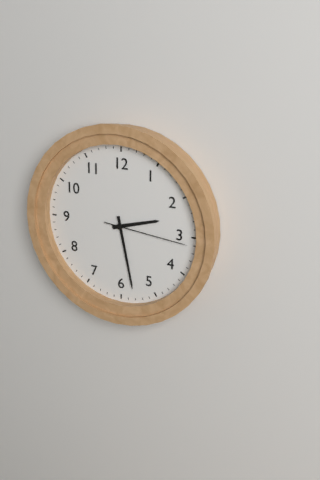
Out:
h=2 m=28 s=16
